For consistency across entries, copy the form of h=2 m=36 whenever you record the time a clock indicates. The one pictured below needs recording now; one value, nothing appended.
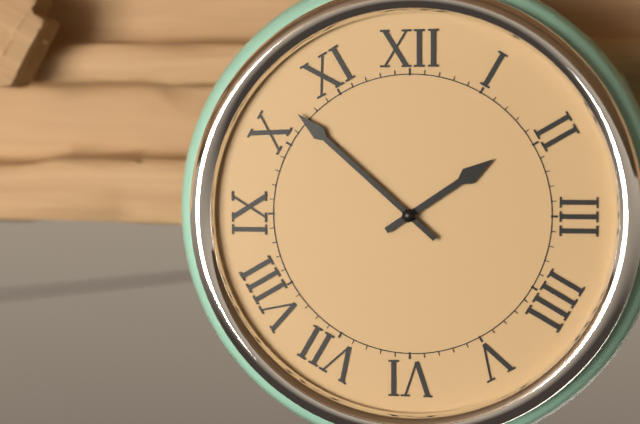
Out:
h=1 m=52
